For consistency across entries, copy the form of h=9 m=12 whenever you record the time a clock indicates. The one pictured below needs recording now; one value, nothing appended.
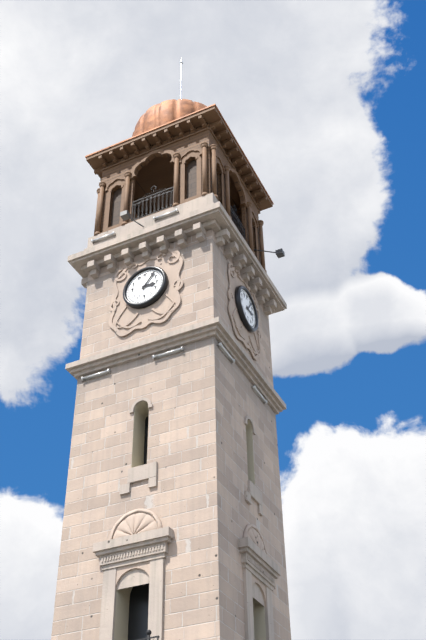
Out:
h=3 m=6
